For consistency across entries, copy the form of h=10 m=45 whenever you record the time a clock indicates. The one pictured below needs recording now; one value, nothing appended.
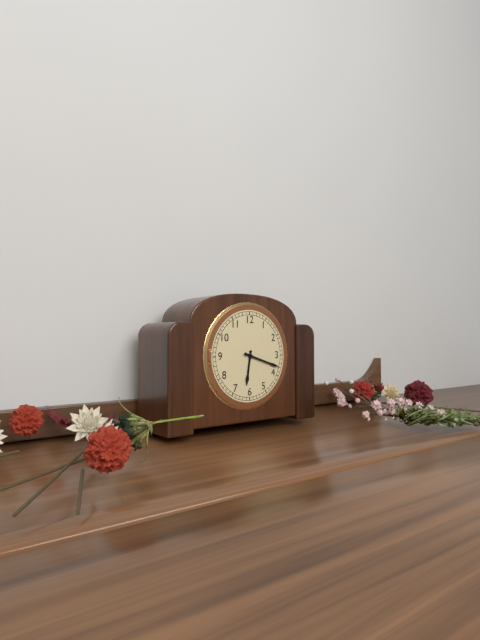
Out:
h=6 m=18
